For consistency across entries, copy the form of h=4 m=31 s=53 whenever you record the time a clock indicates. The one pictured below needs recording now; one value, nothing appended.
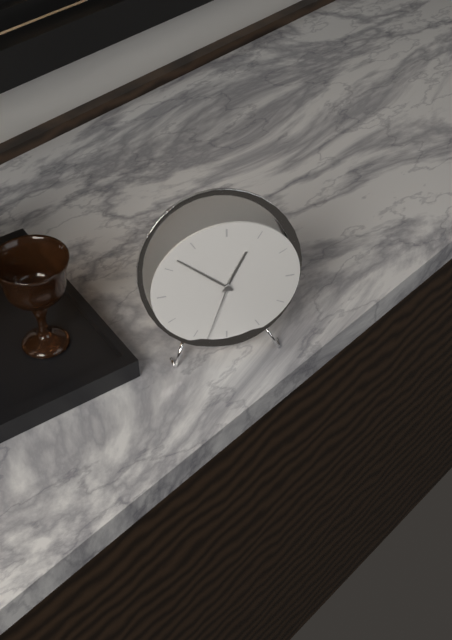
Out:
h=12 m=52 s=33
